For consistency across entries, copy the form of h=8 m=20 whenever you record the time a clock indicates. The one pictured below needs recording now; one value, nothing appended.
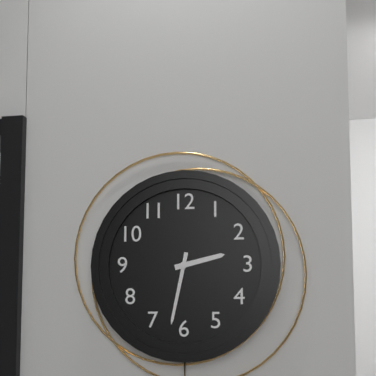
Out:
h=2 m=32
